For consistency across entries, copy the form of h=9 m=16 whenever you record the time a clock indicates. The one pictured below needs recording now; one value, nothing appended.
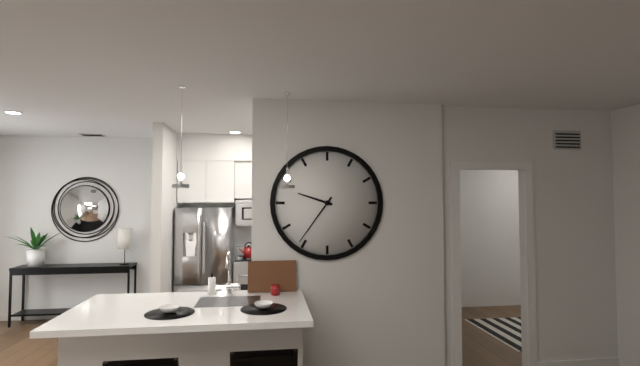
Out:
h=9 m=36
